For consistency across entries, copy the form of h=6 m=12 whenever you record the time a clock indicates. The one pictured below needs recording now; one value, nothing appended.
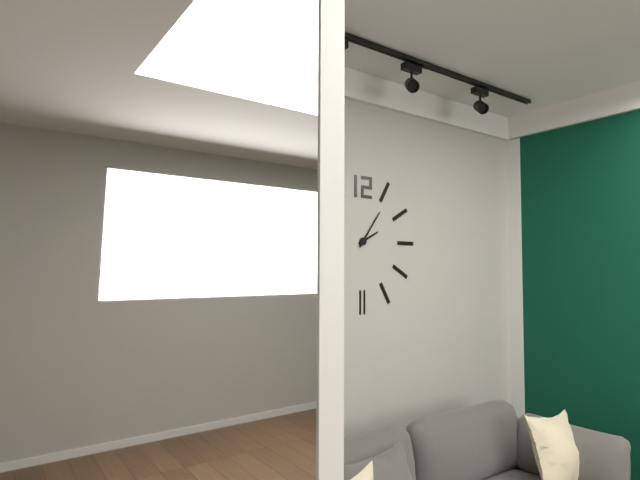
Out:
h=2 m=6
